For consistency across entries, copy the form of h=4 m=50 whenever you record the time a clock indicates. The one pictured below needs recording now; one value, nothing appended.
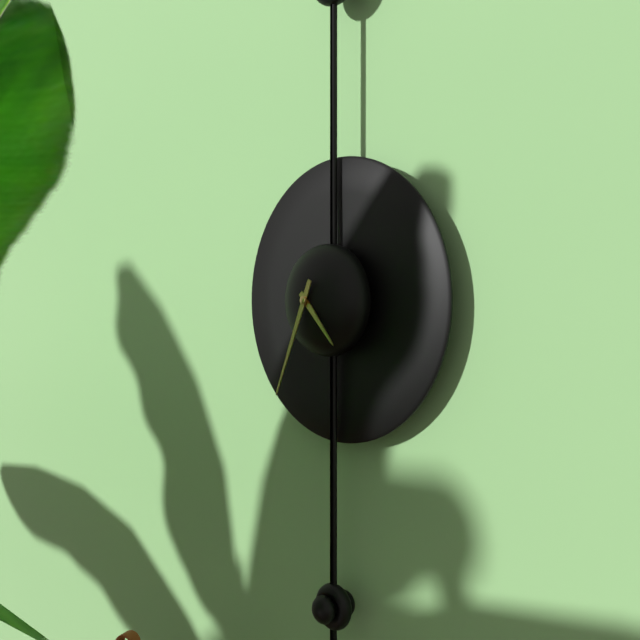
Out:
h=4 m=34
